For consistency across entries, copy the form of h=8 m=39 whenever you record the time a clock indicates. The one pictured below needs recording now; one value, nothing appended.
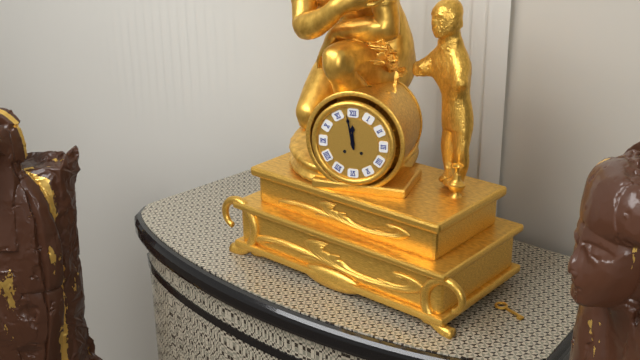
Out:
h=11 m=58
